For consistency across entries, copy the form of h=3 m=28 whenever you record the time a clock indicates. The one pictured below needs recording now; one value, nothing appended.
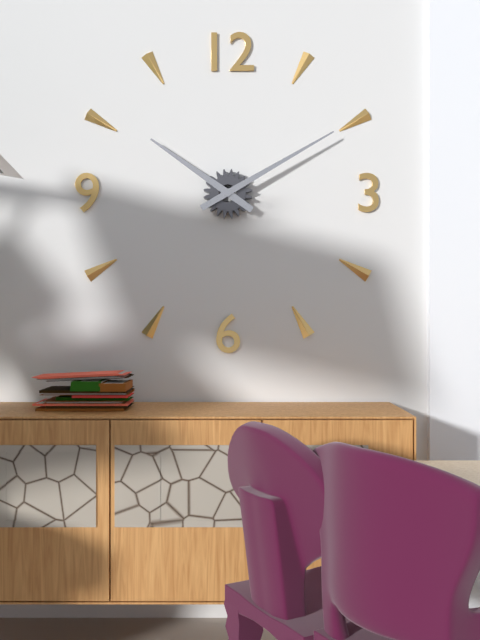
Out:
h=10 m=10
